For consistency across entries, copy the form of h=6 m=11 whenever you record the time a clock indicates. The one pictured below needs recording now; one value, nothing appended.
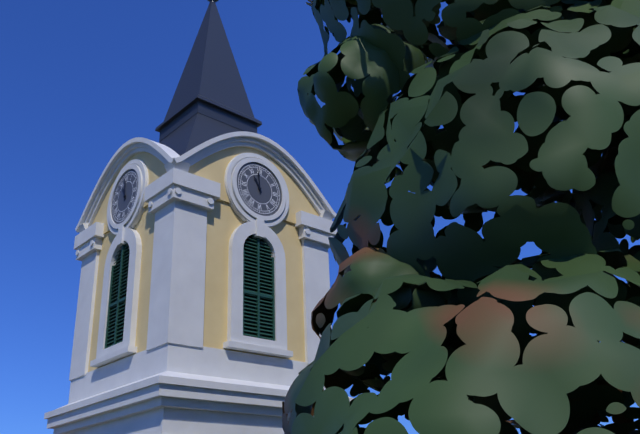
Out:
h=10 m=59
